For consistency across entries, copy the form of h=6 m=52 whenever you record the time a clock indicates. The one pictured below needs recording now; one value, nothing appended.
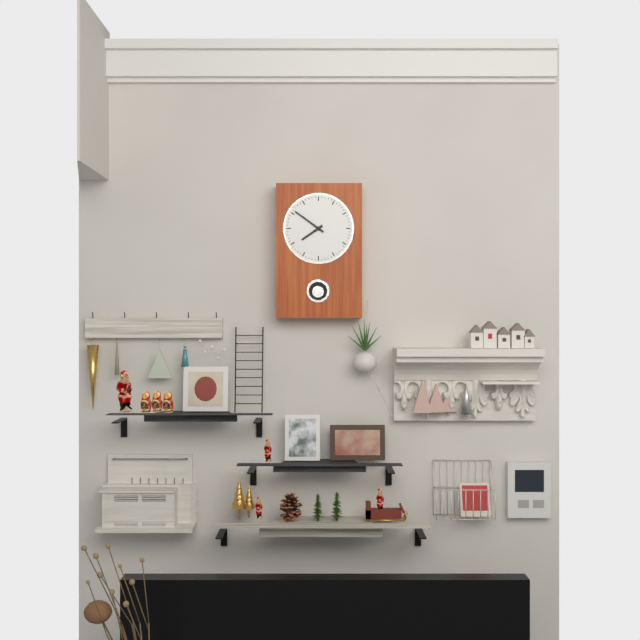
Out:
h=7 m=51
